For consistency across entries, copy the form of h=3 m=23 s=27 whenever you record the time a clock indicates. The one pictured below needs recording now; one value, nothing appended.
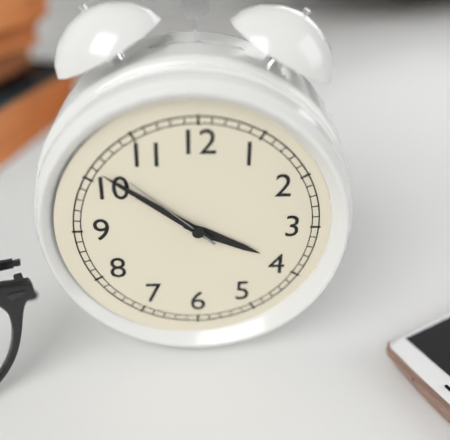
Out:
h=3 m=51 s=52
